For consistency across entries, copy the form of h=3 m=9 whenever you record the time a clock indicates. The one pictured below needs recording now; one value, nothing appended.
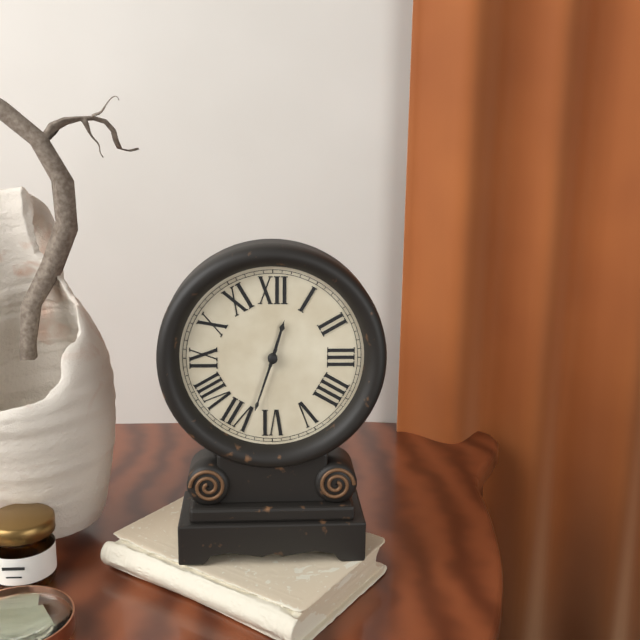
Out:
h=12 m=33
